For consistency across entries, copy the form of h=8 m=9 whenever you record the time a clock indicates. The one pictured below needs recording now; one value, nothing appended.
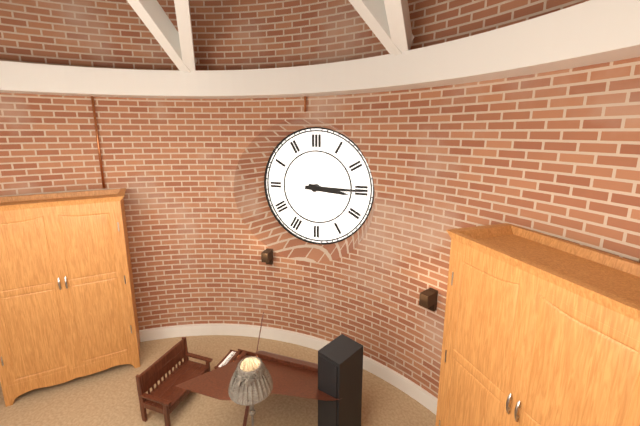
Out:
h=3 m=15
